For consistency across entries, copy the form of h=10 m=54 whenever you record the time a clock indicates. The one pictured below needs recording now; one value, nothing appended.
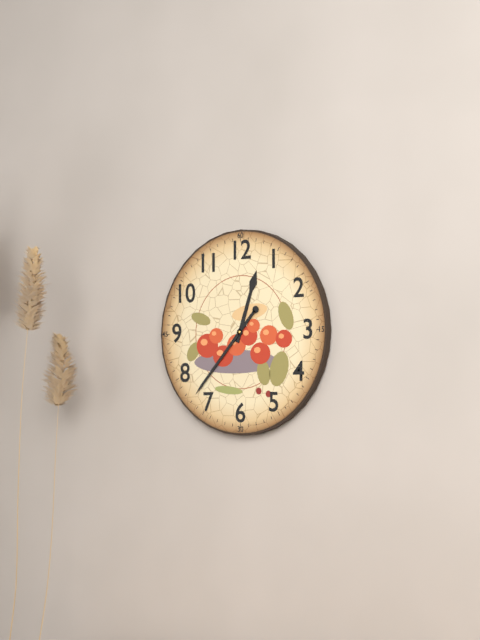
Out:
h=12 m=37
